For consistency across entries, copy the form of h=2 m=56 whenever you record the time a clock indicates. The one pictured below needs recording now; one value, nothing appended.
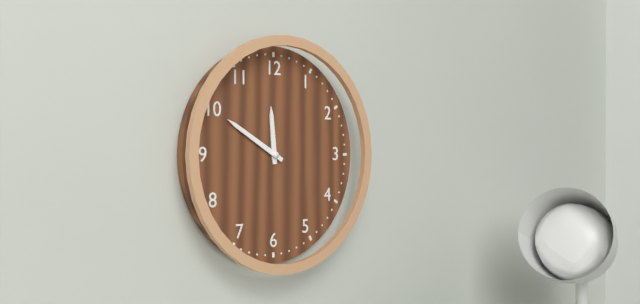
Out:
h=11 m=50
